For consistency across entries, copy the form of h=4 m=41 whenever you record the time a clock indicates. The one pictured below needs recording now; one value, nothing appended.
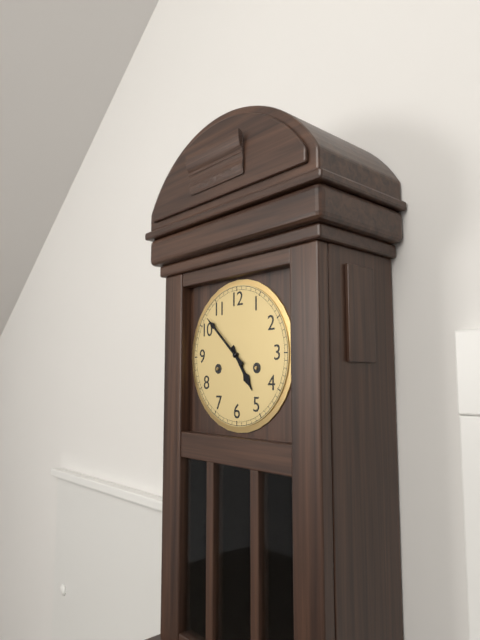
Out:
h=4 m=52
